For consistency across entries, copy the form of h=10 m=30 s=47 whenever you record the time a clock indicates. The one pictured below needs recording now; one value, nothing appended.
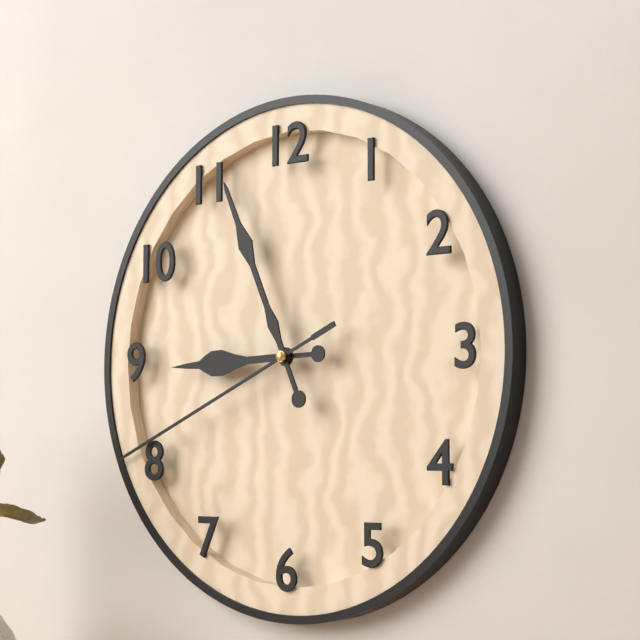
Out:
h=8 m=56 s=41
